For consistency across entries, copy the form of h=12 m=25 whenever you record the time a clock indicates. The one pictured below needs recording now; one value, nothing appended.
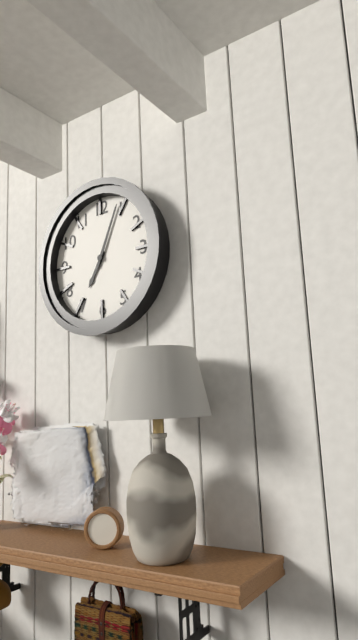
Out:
h=7 m=4
